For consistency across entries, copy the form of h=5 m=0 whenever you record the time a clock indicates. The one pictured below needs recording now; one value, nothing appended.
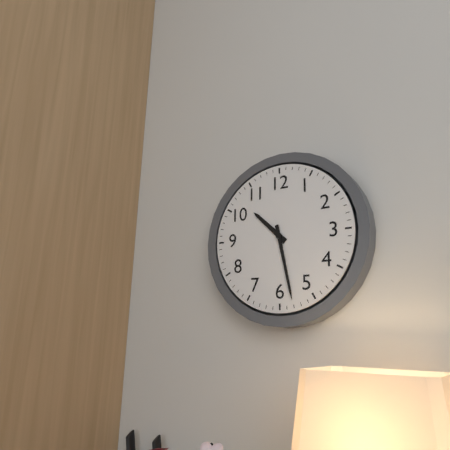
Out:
h=10 m=28
